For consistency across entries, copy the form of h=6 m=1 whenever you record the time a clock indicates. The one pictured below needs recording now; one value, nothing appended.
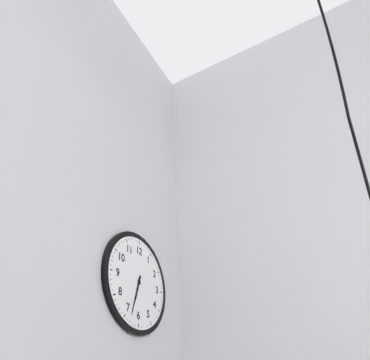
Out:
h=6 m=33
